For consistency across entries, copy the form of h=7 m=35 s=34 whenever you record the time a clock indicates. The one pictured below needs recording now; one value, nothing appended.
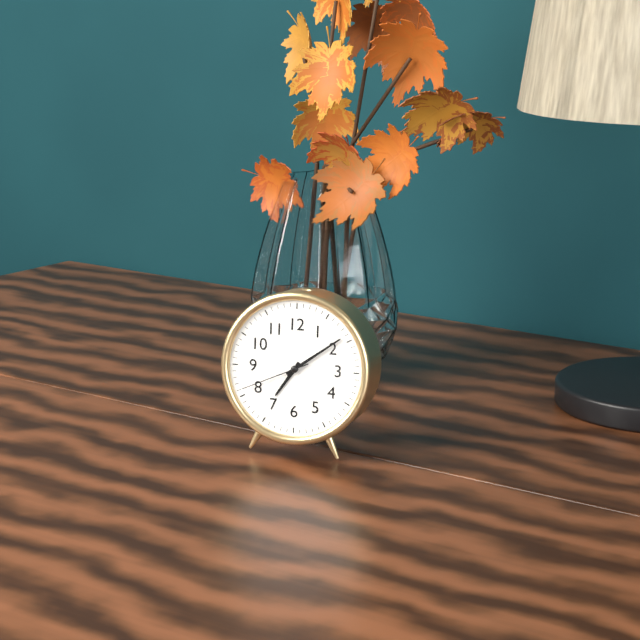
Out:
h=7 m=9 s=41
